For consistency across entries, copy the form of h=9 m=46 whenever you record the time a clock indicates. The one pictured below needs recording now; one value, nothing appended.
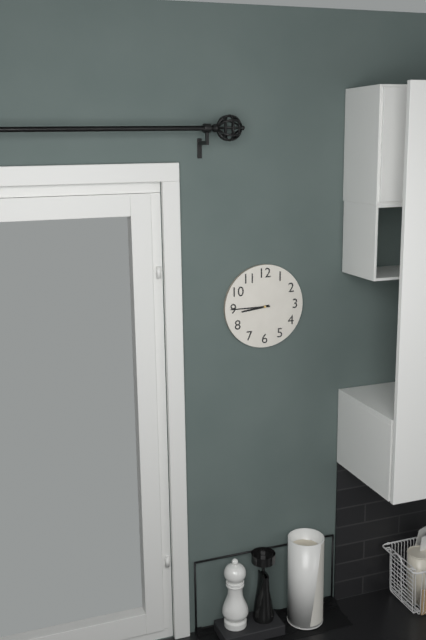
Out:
h=8 m=45
